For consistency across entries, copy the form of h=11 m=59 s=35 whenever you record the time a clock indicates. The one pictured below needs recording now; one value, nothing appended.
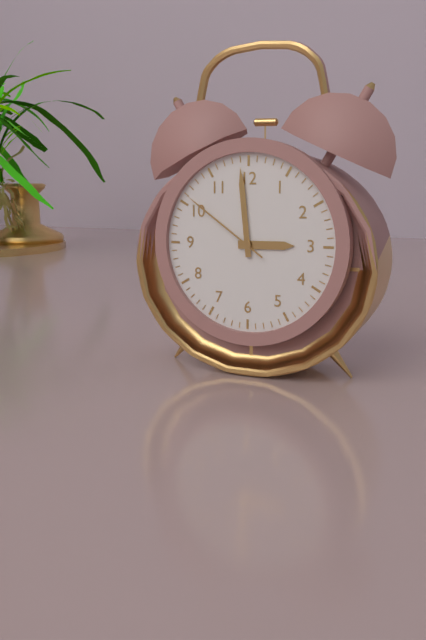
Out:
h=2 m=59 s=51
